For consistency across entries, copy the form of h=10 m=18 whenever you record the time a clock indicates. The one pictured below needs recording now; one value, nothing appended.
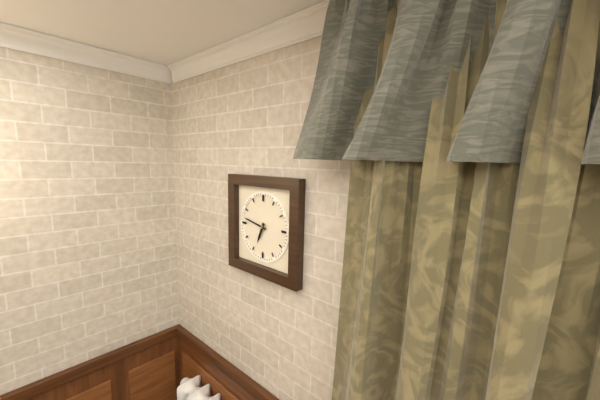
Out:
h=6 m=47
